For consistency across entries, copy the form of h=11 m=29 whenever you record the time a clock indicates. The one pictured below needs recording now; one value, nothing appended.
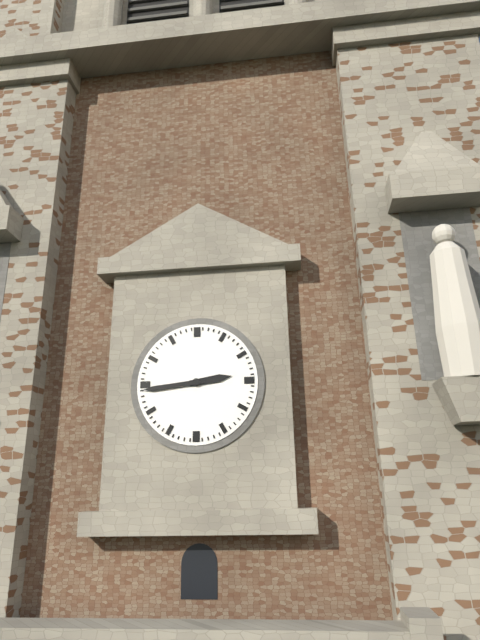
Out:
h=2 m=44
